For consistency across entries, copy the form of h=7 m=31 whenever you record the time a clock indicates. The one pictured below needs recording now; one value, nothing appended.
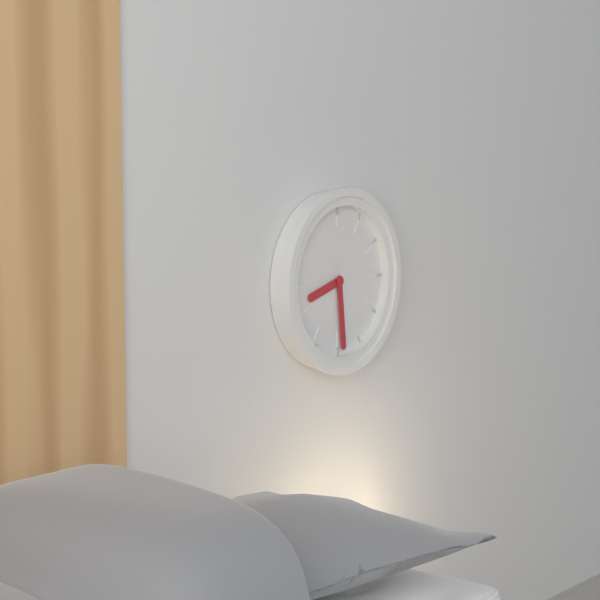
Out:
h=8 m=29
